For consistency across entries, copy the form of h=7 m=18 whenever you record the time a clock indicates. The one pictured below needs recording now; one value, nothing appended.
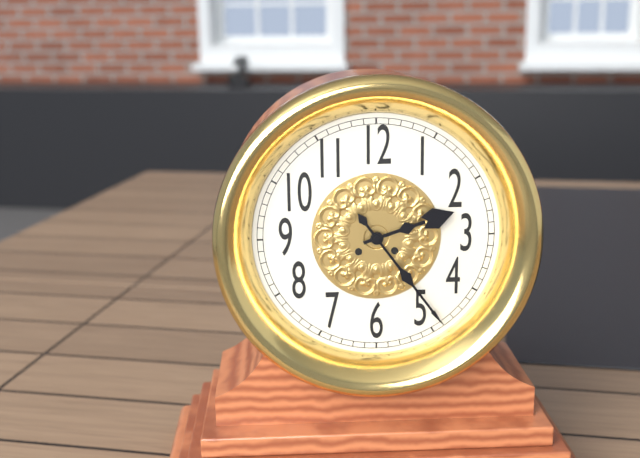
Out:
h=2 m=24
